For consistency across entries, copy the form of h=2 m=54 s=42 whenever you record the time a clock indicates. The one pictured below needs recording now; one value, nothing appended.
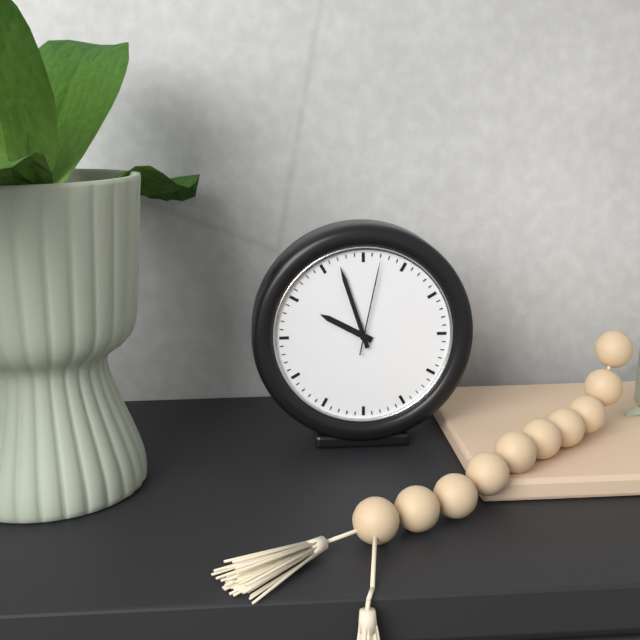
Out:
h=9 m=57 s=2
